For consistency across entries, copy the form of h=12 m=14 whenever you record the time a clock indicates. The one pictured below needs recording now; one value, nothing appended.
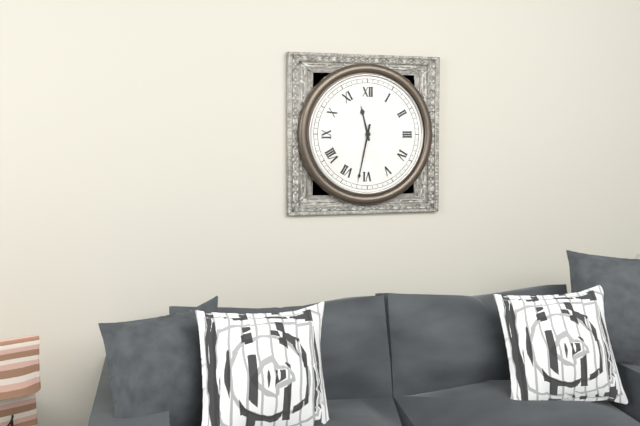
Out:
h=11 m=32
